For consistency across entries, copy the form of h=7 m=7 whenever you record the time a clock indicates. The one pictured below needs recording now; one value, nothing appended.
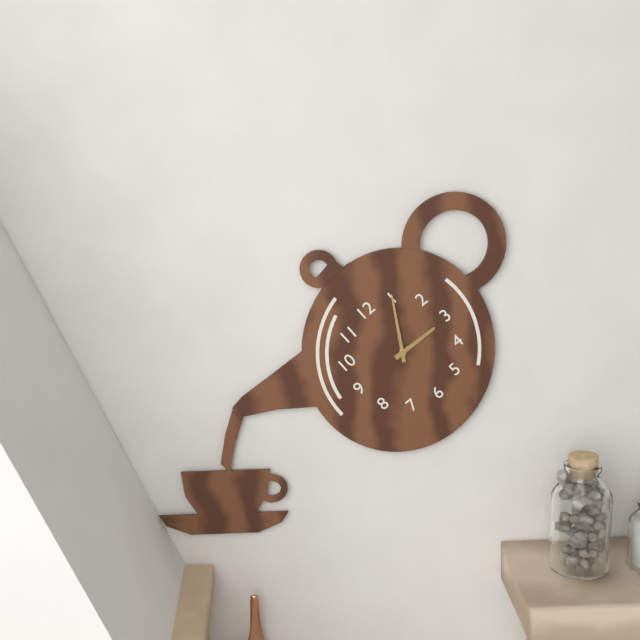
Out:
h=3 m=5
